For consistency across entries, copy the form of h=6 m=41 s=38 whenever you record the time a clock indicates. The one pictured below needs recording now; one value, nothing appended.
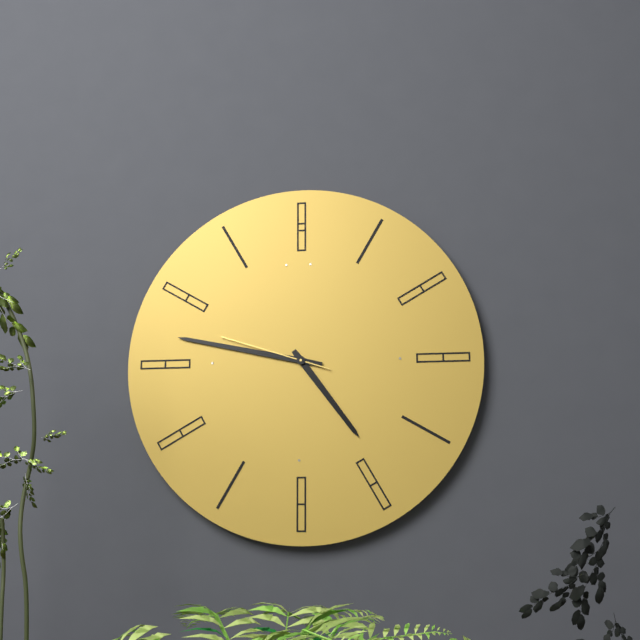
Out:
h=4 m=47 s=48
